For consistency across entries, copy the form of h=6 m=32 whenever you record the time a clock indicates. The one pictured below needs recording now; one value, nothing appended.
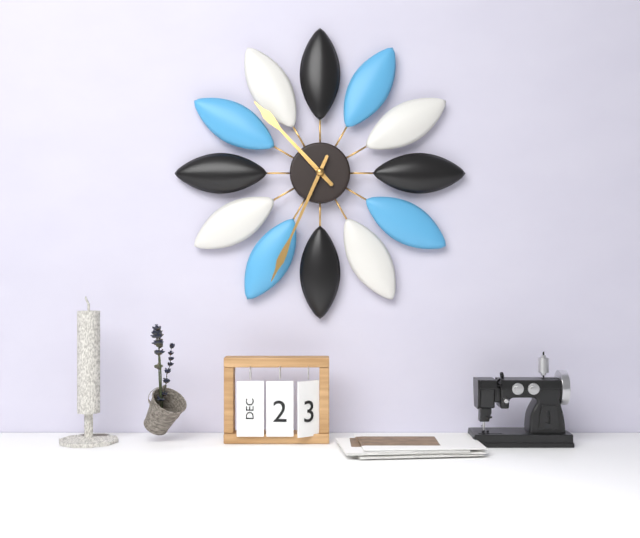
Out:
h=10 m=34
